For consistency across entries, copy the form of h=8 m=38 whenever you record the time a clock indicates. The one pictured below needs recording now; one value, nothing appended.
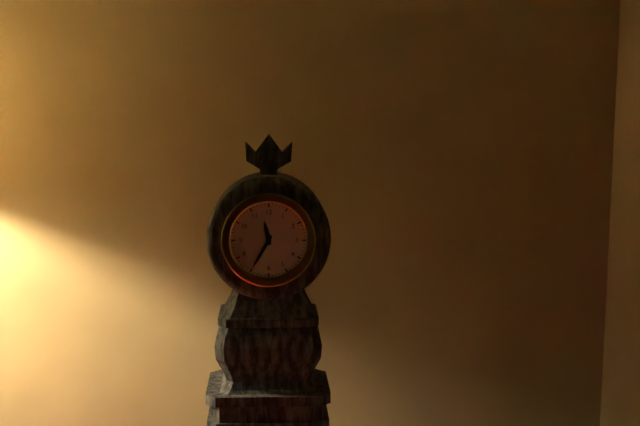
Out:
h=11 m=35
